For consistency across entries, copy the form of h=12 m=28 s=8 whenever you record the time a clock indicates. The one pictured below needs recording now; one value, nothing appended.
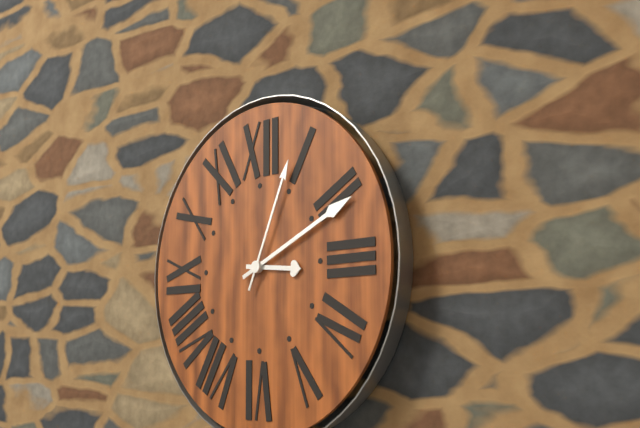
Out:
h=3 m=11 s=4
